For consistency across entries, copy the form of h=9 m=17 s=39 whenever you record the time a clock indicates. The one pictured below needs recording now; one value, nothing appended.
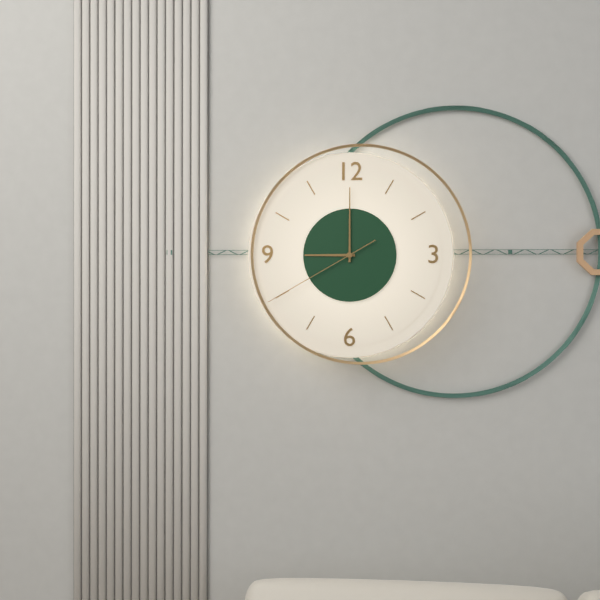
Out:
h=9 m=0 s=40
